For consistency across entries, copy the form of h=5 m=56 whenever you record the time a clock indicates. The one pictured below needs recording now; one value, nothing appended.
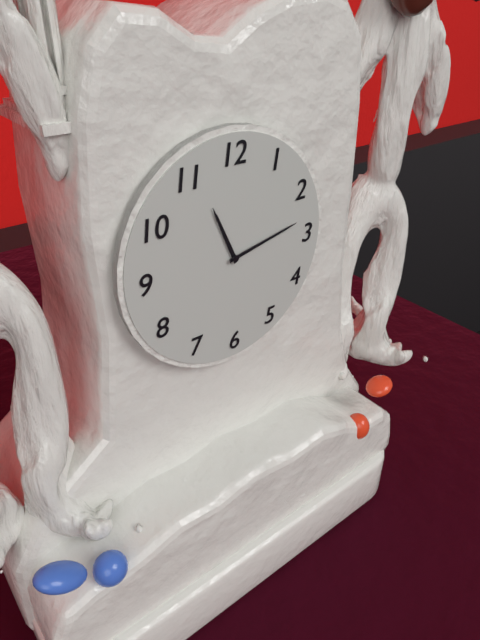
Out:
h=11 m=13
